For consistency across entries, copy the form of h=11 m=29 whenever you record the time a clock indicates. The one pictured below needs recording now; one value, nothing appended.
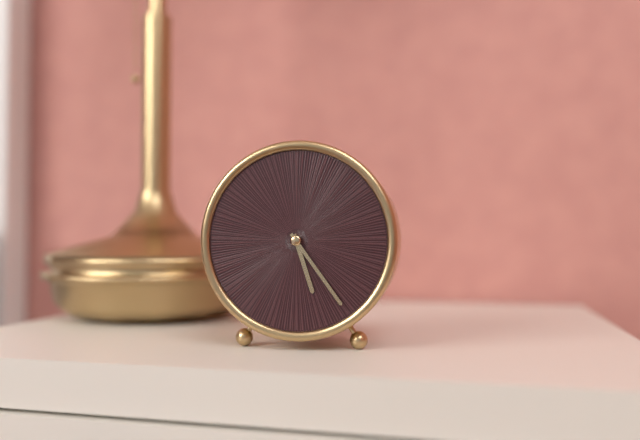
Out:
h=5 m=24
